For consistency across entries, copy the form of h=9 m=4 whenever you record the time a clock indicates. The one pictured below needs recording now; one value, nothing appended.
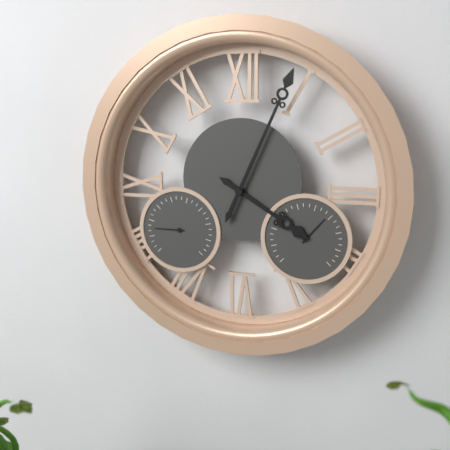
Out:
h=4 m=4
